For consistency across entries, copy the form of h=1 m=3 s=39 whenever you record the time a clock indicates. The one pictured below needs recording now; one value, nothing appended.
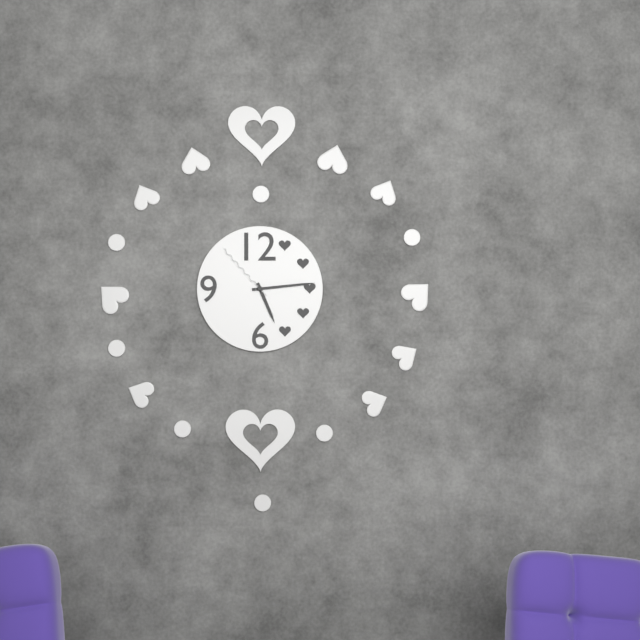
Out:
h=5 m=14 s=53
